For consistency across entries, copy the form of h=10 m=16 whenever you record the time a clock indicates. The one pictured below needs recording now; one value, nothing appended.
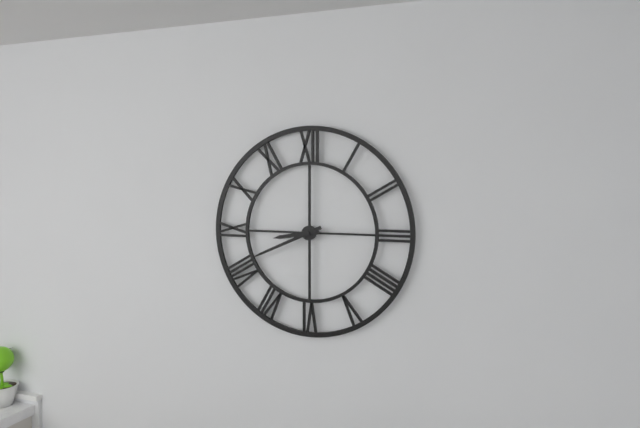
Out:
h=8 m=41
